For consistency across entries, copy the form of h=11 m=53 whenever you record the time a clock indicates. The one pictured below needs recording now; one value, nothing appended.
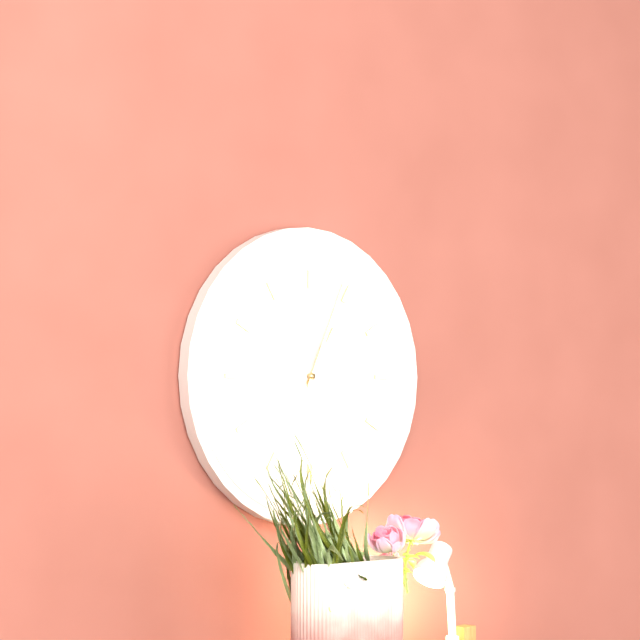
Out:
h=1 m=4
